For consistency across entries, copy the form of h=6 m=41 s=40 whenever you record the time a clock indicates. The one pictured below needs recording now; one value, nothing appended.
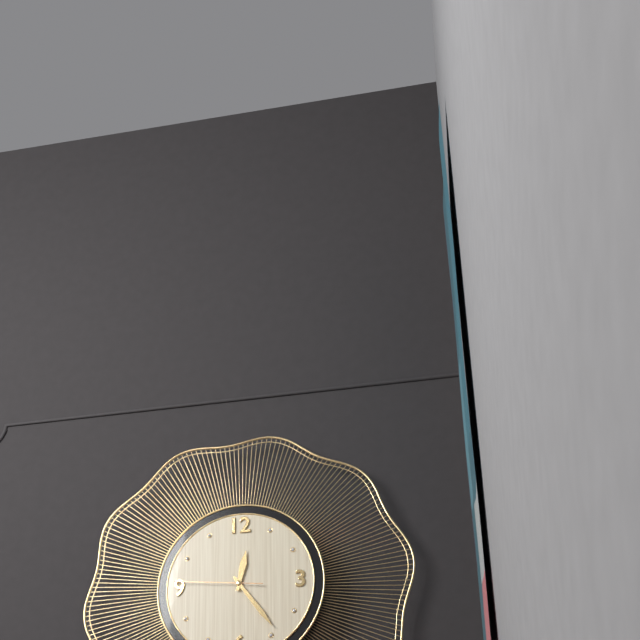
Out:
h=12 m=24 s=46
